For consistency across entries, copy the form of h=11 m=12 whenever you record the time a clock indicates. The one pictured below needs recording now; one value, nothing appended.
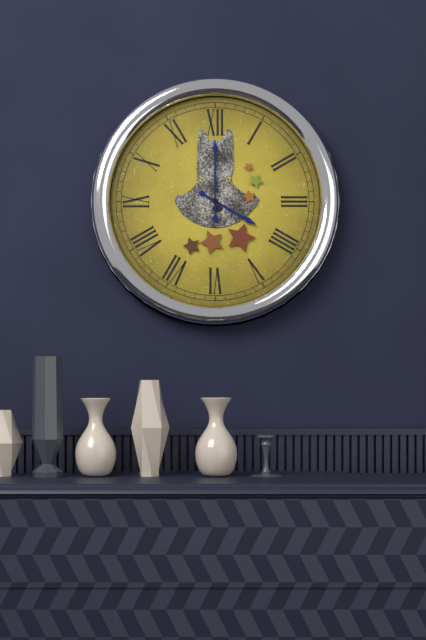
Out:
h=4 m=0
